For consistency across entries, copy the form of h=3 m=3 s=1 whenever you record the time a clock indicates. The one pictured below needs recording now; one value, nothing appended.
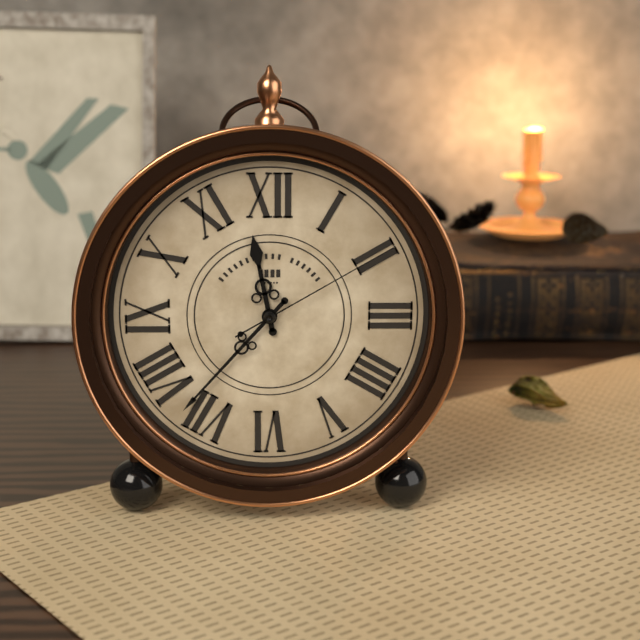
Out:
h=11 m=37 s=10
